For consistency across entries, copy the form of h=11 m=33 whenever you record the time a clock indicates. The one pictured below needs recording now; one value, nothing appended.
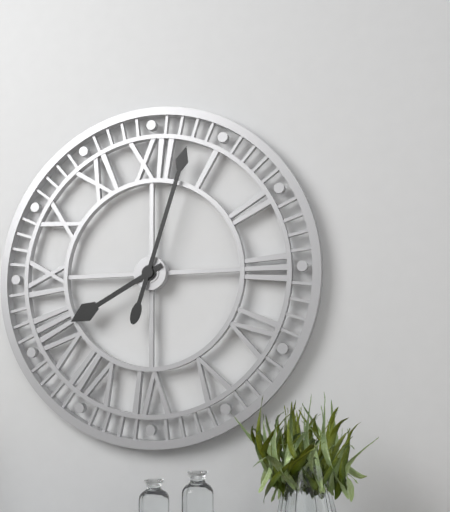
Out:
h=8 m=3
